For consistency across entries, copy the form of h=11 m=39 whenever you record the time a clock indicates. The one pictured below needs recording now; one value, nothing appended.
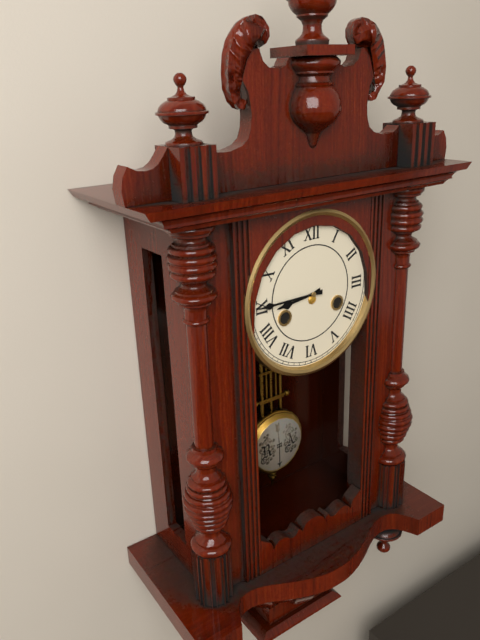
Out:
h=8 m=45
